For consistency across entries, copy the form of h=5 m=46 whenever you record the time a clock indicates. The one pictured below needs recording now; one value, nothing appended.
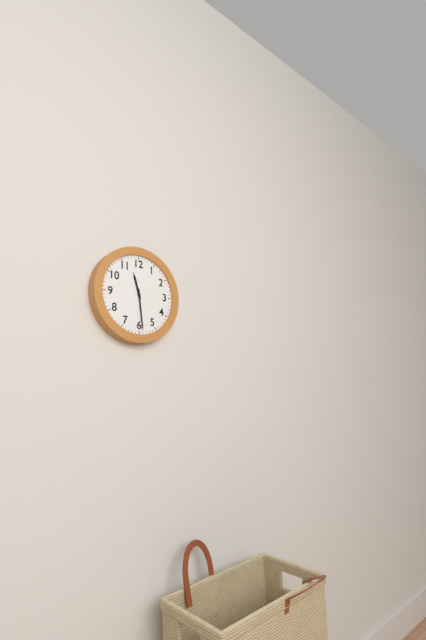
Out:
h=11 m=29
